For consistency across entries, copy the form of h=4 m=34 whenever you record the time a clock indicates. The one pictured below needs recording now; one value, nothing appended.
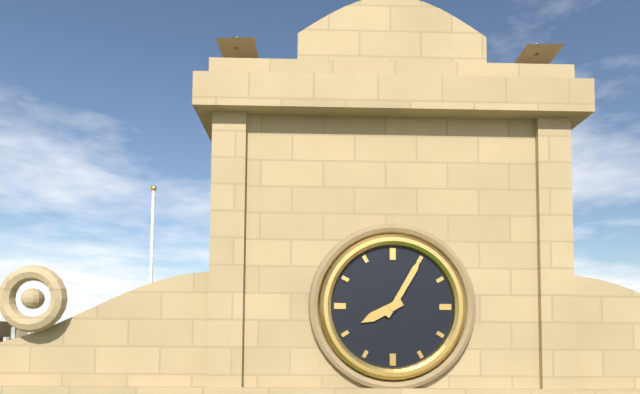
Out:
h=8 m=5
